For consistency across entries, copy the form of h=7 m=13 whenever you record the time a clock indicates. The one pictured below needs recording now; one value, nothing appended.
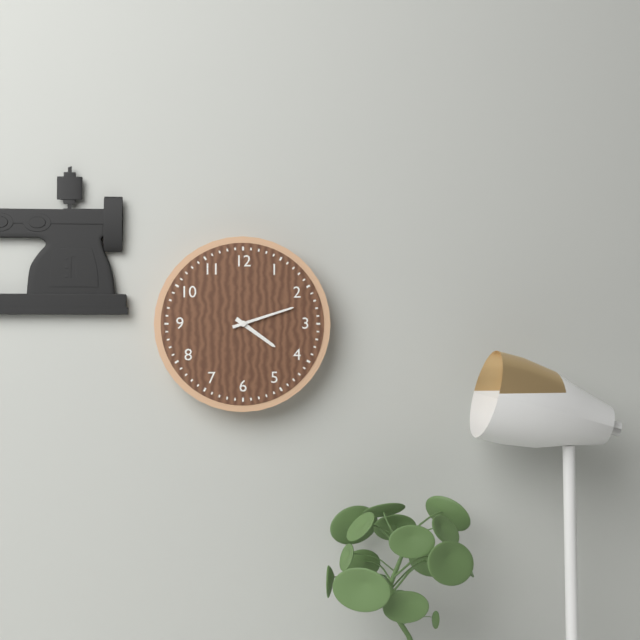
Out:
h=4 m=12
